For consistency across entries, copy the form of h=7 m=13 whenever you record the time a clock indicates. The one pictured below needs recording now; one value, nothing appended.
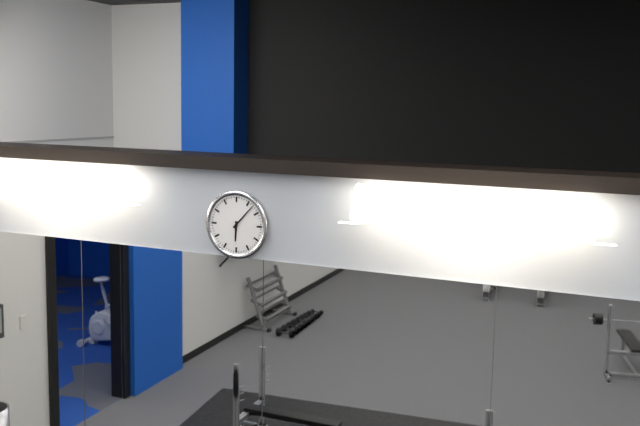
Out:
h=6 m=7
